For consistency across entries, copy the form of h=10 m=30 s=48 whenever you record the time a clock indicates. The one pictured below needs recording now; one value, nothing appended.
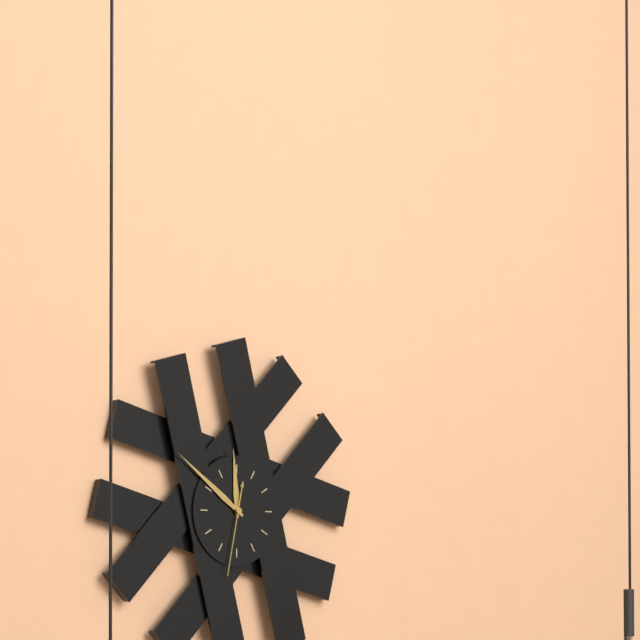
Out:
h=11 m=51 s=32
